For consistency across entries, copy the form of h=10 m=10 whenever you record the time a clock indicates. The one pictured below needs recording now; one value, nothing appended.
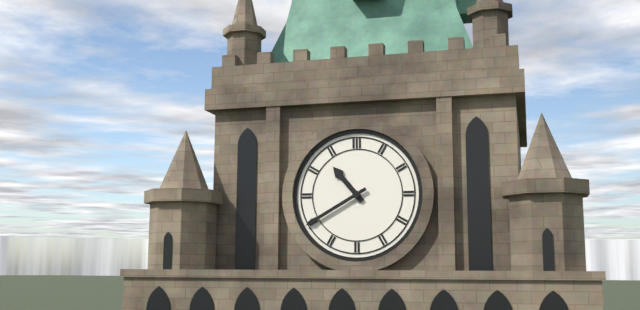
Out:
h=10 m=40
